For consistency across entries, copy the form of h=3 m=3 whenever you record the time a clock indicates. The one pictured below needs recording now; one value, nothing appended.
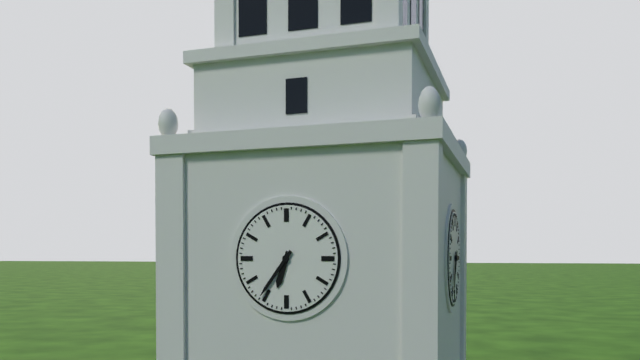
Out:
h=6 m=36
